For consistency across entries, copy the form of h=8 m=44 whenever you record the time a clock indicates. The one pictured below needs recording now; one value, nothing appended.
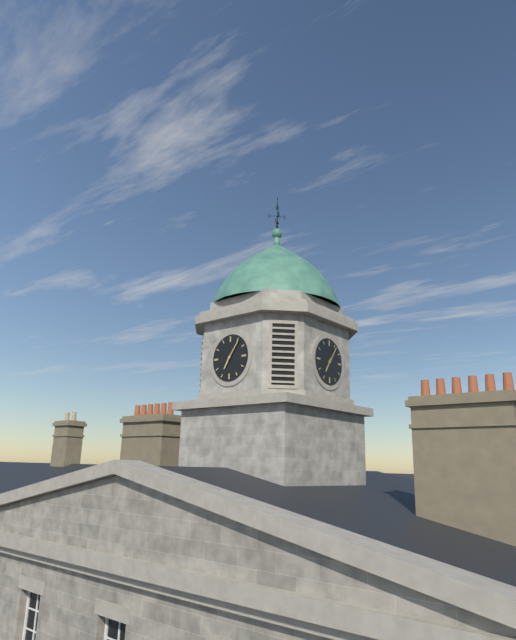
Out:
h=7 m=6
